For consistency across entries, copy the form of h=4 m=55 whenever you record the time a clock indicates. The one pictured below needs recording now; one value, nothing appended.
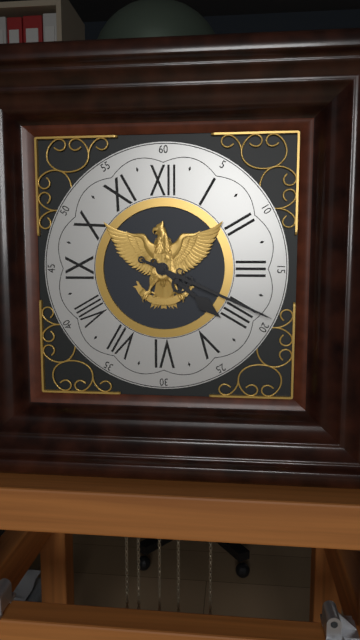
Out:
h=4 m=19
